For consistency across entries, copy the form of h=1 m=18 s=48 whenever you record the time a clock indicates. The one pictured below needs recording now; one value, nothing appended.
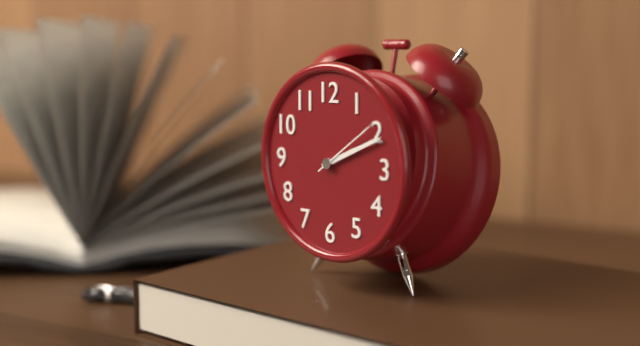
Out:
h=2 m=11 s=9
